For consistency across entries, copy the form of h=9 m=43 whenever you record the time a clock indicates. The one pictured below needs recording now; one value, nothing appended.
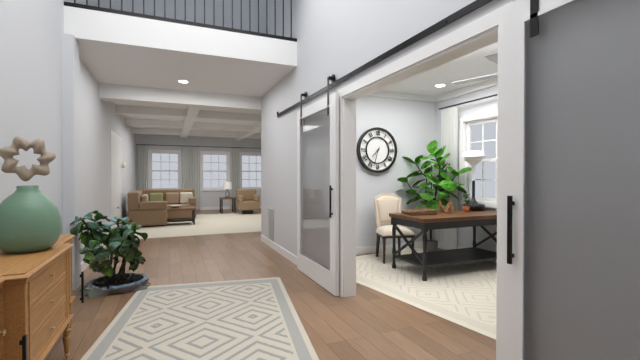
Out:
h=7 m=33
